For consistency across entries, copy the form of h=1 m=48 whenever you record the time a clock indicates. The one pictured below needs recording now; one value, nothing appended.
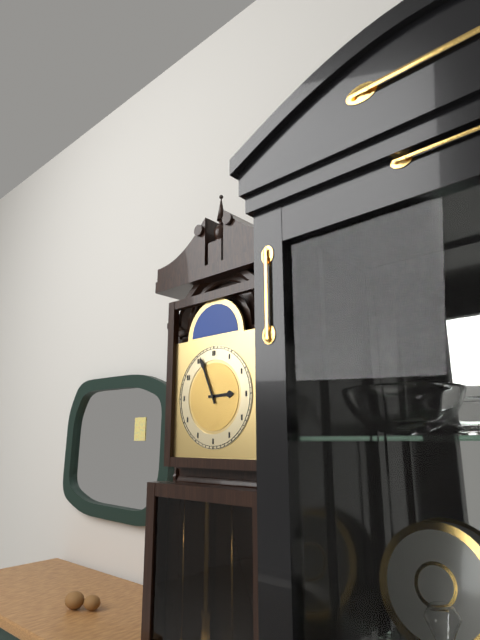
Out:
h=2 m=56
